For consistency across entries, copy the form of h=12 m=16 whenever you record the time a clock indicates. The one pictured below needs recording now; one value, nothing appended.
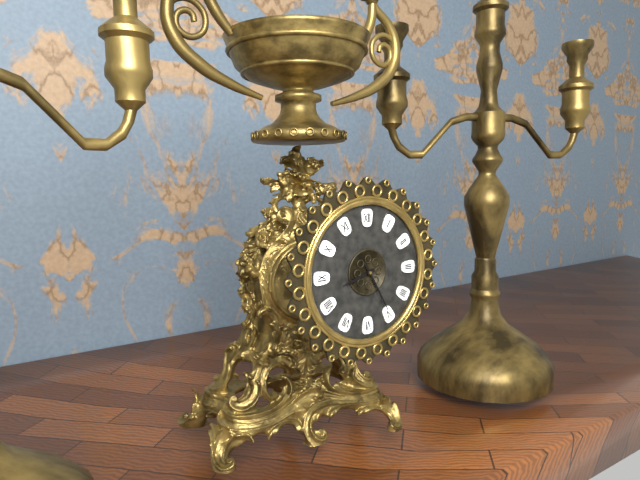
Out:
h=8 m=25
